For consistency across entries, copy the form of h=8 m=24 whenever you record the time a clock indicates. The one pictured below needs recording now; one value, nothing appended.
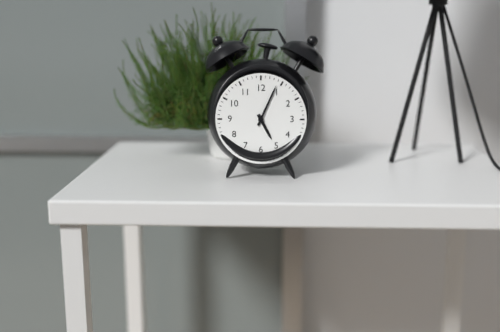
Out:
h=5 m=4
